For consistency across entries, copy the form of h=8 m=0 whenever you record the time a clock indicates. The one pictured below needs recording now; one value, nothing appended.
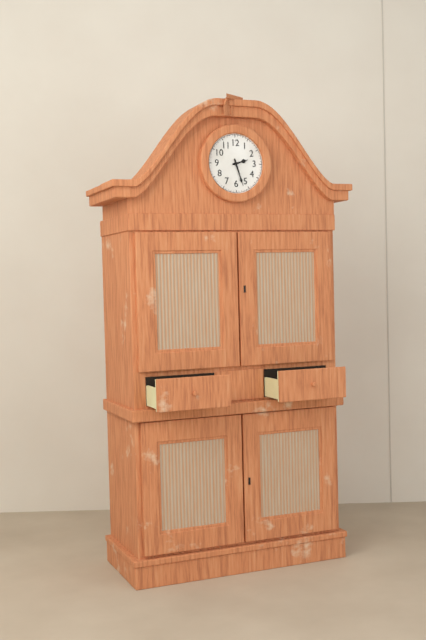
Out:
h=2 m=27
